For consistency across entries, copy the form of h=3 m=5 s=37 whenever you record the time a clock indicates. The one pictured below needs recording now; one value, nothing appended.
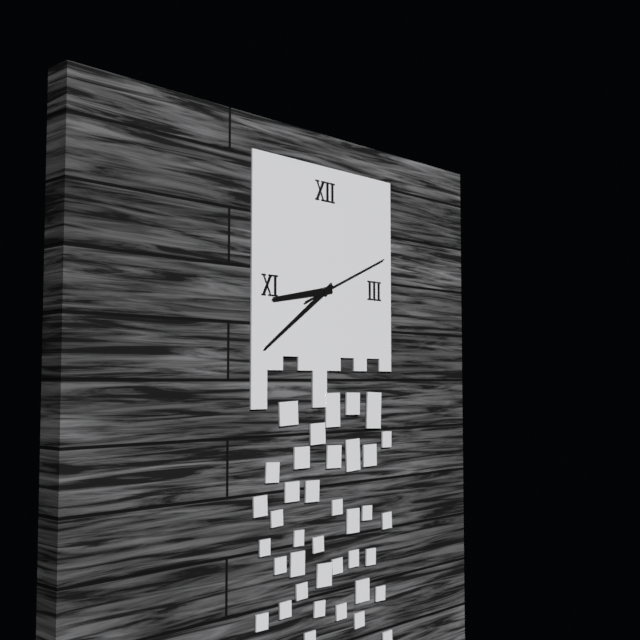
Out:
h=8 m=39 s=11
